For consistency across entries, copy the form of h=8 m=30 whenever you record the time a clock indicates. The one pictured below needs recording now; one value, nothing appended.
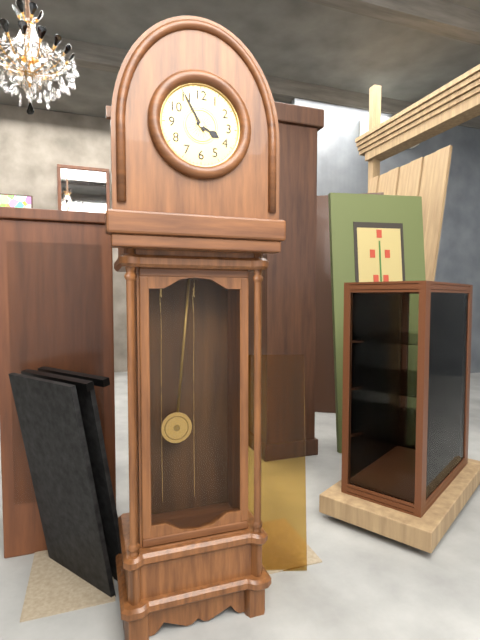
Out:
h=3 m=55
